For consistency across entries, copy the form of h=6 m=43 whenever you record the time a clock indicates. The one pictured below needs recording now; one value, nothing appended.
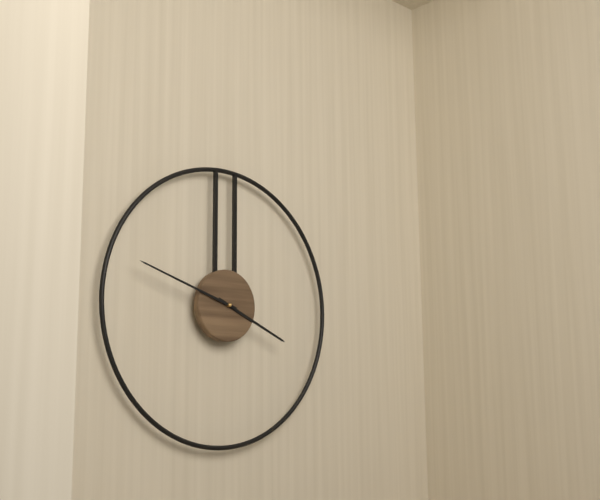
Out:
h=3 m=48
